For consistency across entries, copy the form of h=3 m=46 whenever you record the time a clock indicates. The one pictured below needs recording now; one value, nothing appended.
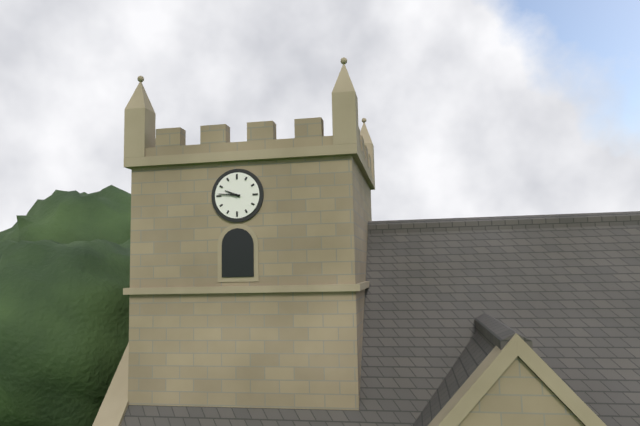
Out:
h=9 m=46
